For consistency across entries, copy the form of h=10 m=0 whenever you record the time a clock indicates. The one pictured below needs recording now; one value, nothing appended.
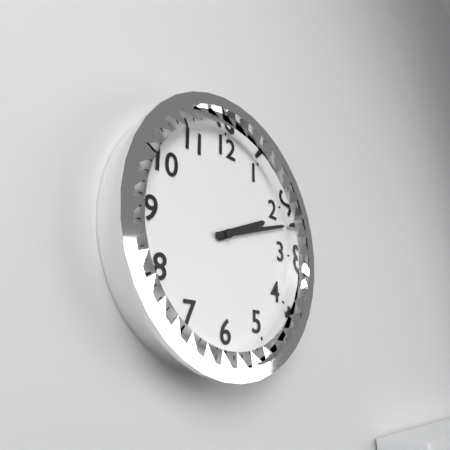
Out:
h=2 m=12
